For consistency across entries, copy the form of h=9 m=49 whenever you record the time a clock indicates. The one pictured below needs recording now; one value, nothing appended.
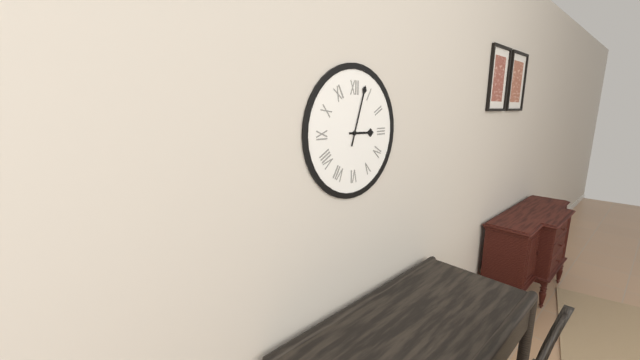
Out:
h=3 m=3
